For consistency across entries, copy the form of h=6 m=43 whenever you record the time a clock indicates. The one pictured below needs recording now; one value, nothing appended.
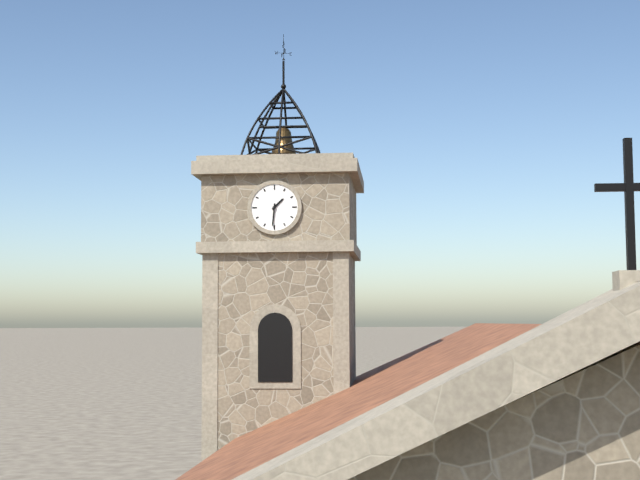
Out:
h=1 m=31
